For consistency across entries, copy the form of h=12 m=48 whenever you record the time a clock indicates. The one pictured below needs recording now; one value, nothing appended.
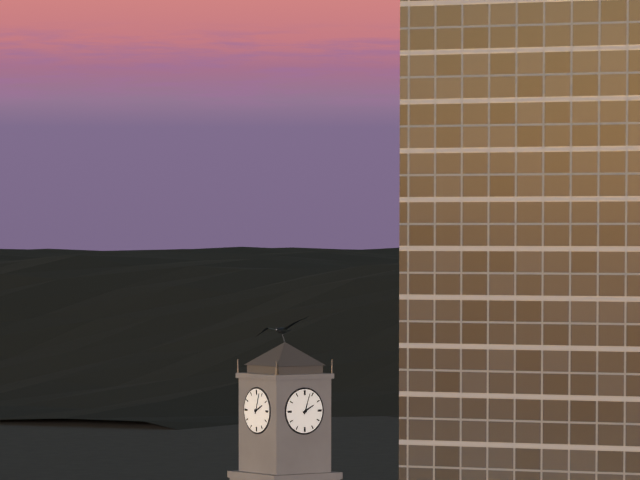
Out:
h=2 m=3
